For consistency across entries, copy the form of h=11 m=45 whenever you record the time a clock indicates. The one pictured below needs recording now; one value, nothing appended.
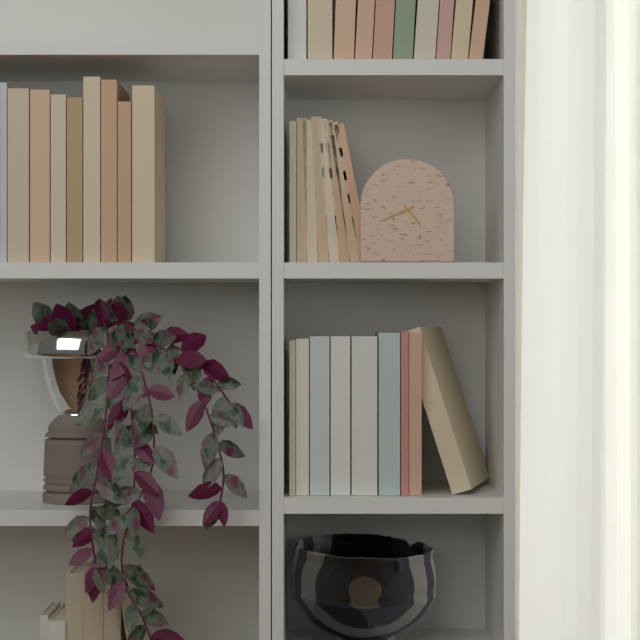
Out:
h=4 m=41
